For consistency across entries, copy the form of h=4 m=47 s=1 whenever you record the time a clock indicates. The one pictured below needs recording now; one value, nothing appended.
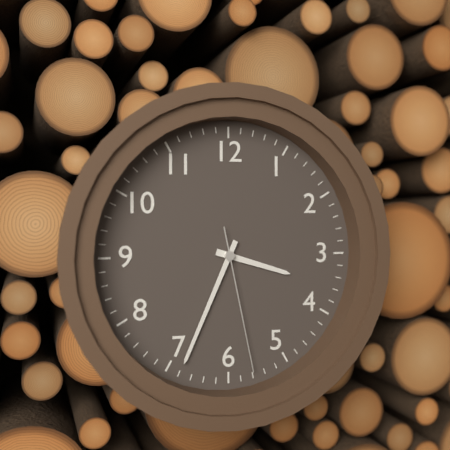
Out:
h=3 m=34 s=28
